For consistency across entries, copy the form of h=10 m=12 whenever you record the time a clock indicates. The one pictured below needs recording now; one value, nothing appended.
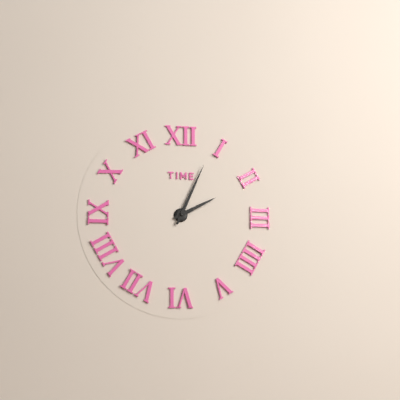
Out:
h=2 m=4
